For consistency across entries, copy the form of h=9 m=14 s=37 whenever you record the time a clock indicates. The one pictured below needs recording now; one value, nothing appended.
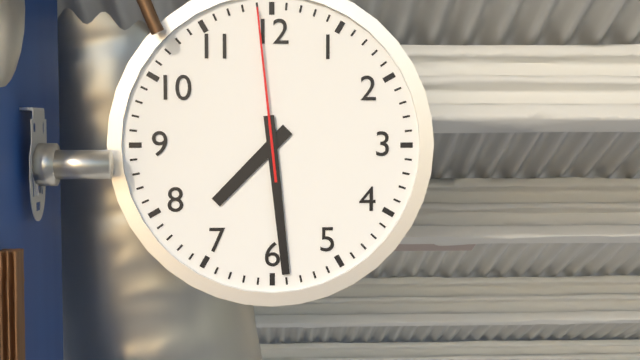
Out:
h=7 m=29 s=59
